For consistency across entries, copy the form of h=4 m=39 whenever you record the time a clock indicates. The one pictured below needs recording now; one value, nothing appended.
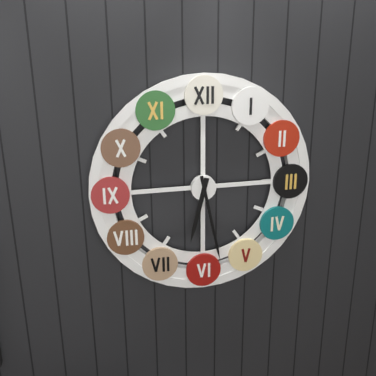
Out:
h=6 m=28
